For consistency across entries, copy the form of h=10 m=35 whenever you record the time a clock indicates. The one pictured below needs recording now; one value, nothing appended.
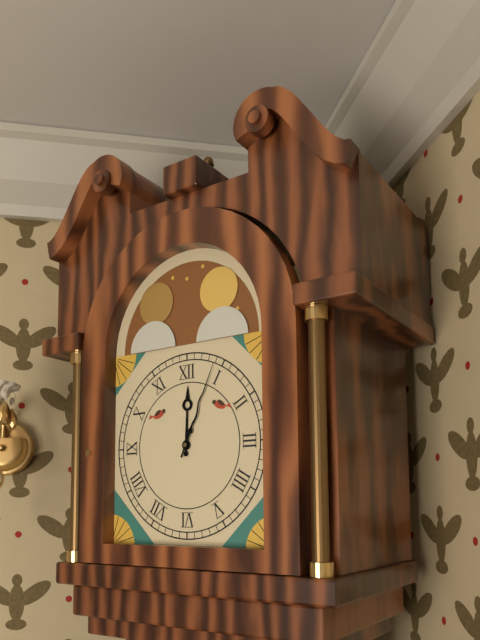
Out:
h=12 m=4
